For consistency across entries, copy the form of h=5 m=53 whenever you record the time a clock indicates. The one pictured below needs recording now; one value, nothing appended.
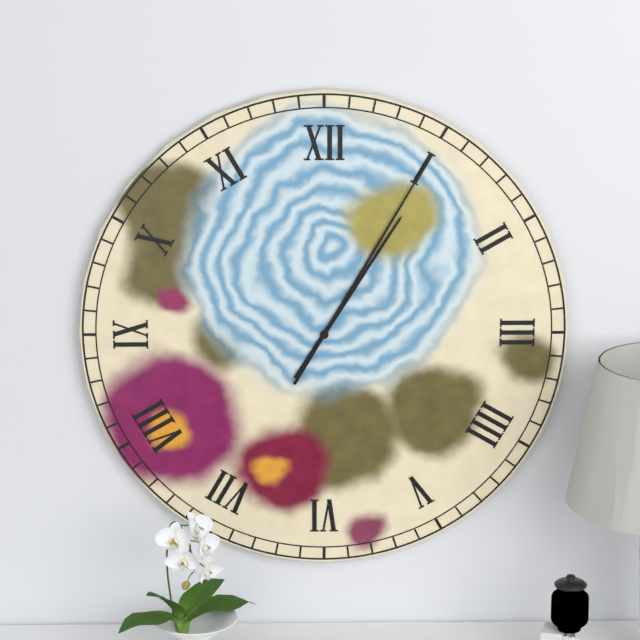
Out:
h=1 m=5
